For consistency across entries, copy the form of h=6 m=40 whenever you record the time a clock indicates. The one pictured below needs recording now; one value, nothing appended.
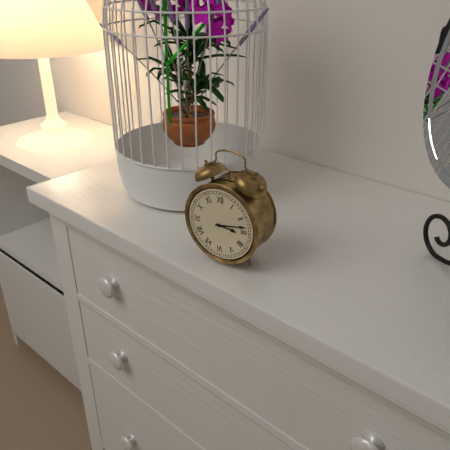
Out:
h=3 m=13
